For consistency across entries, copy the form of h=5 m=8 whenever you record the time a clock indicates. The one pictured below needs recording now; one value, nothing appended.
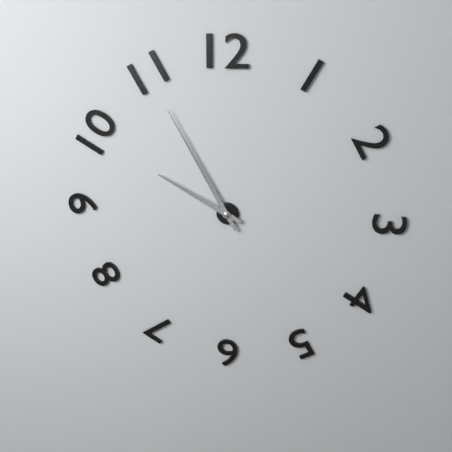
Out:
h=9 m=55
